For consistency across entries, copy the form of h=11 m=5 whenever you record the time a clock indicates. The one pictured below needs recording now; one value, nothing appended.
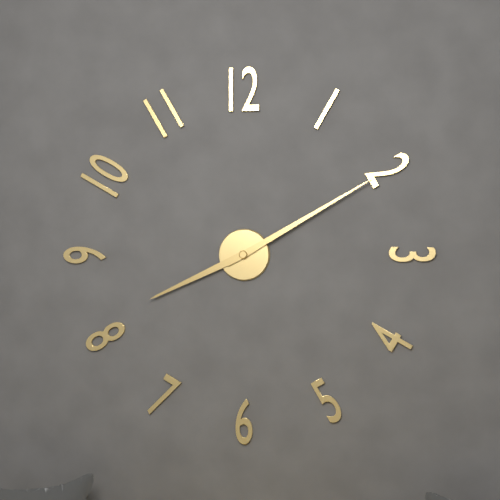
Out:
h=8 m=10
